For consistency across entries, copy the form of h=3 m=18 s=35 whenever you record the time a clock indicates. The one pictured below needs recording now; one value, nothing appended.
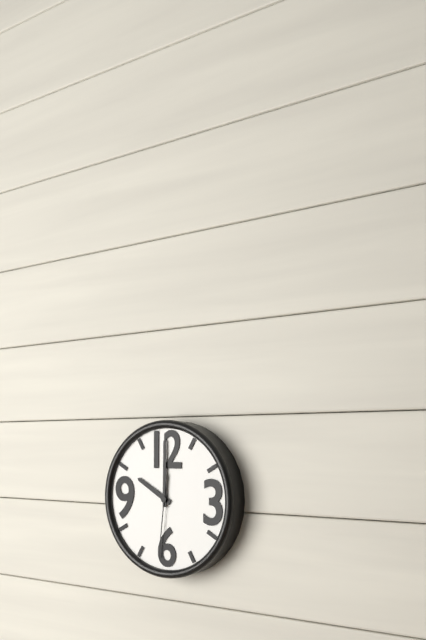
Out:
h=10 m=0 s=31
